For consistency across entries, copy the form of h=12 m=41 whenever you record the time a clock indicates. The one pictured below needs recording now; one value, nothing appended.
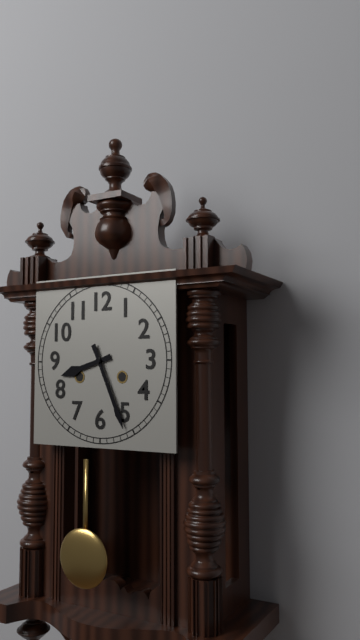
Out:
h=8 m=26
